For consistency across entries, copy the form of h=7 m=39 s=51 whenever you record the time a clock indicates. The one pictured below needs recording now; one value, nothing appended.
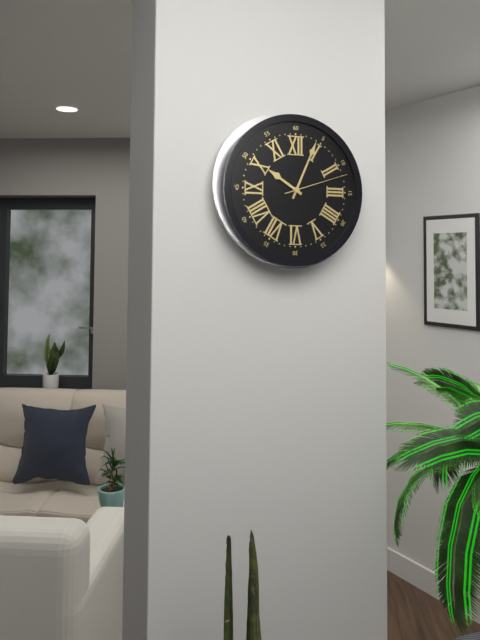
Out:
h=10 m=4 s=12
